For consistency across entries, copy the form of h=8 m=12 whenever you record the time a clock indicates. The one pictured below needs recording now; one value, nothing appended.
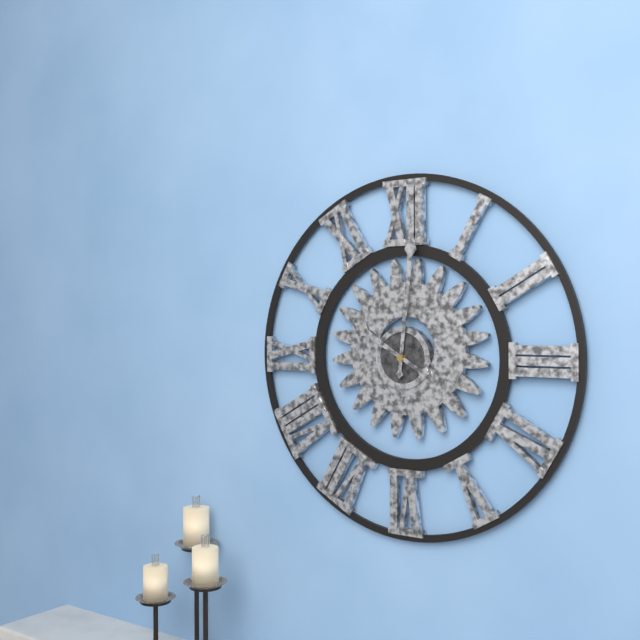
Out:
h=10 m=1
